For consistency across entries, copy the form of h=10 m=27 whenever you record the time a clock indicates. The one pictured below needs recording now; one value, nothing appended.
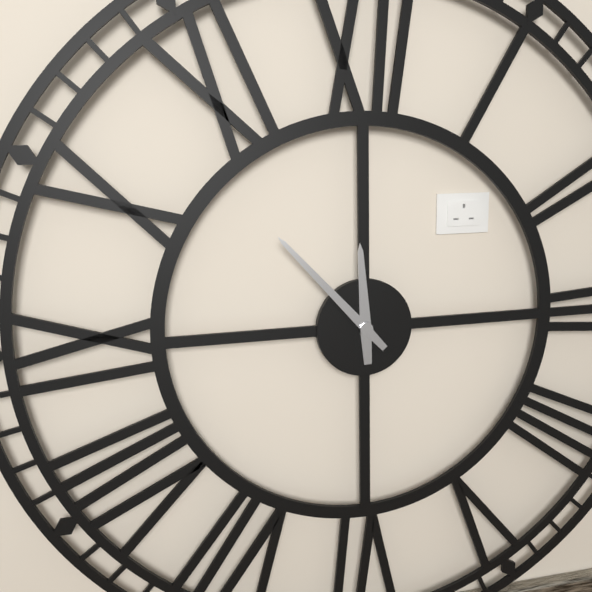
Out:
h=11 m=53
